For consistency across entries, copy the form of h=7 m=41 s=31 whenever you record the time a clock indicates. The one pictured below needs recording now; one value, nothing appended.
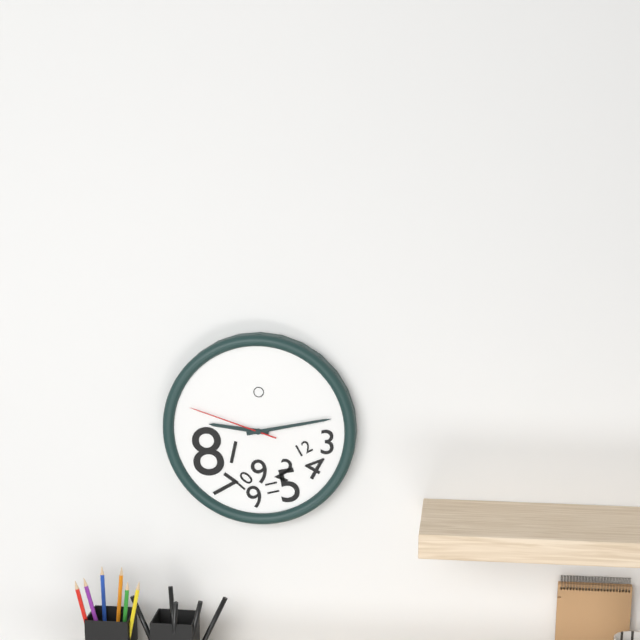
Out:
h=9 m=13 s=48
